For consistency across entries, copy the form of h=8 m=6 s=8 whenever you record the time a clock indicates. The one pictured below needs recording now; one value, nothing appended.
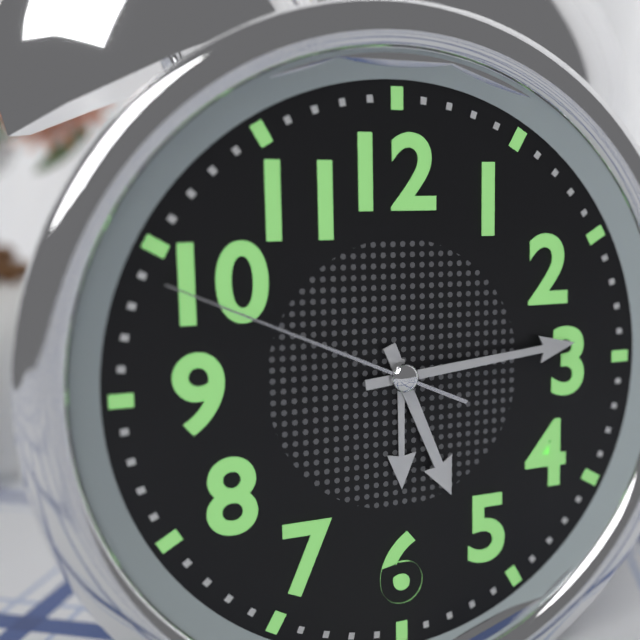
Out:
h=5 m=14 s=49
